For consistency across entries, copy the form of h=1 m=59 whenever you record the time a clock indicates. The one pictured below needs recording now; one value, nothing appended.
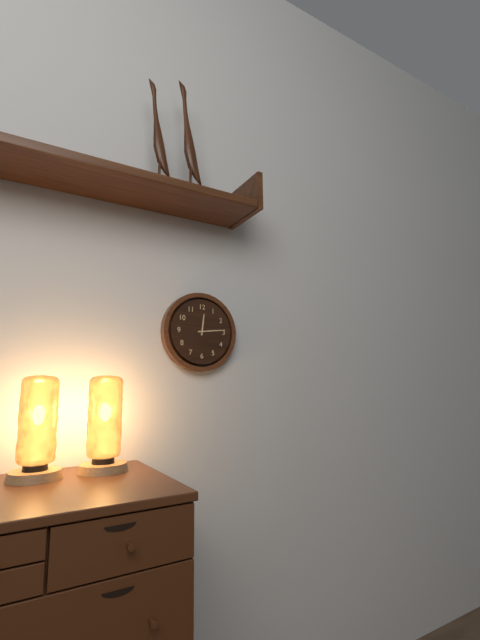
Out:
h=12 m=14
